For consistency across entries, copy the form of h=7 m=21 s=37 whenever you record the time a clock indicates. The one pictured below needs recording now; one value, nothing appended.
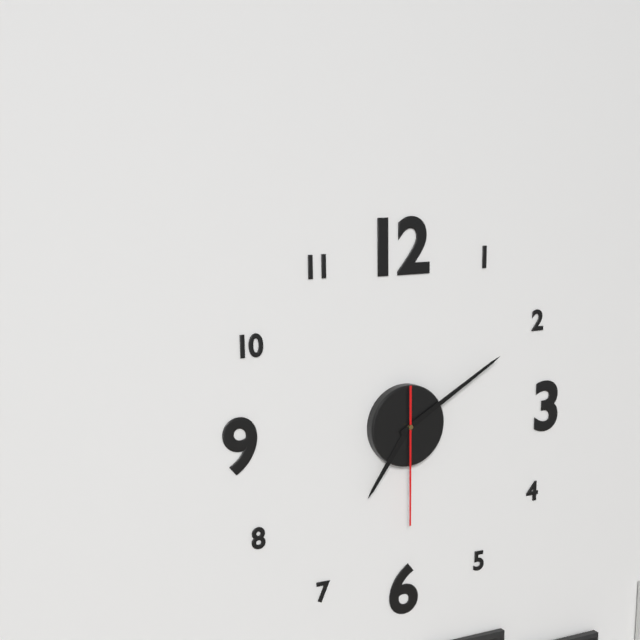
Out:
h=7 m=10 s=30
